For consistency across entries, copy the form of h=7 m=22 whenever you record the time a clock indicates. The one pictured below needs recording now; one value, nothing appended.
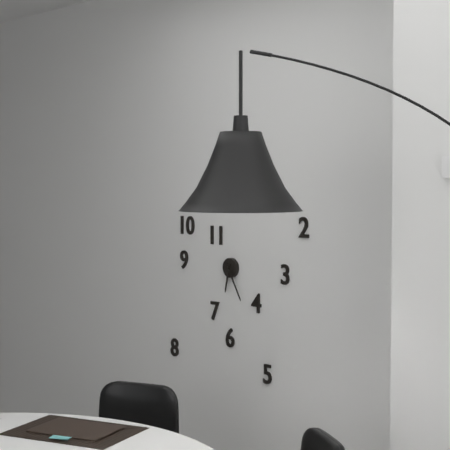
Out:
h=6 m=25
